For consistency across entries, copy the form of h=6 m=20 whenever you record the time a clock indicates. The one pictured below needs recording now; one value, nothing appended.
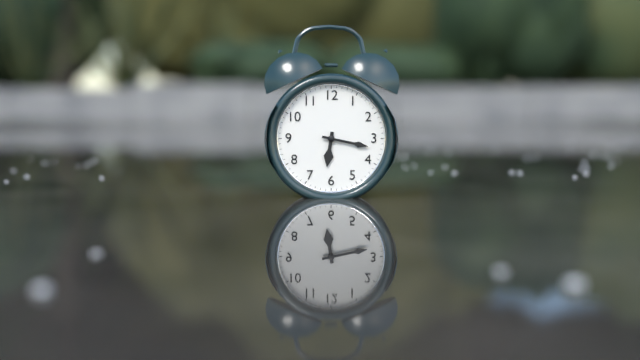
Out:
h=6 m=17
